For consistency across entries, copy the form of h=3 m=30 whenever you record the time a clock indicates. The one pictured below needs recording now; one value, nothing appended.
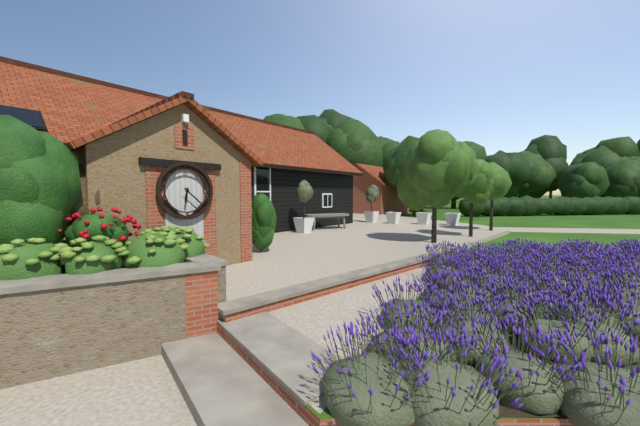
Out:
h=6 m=22
